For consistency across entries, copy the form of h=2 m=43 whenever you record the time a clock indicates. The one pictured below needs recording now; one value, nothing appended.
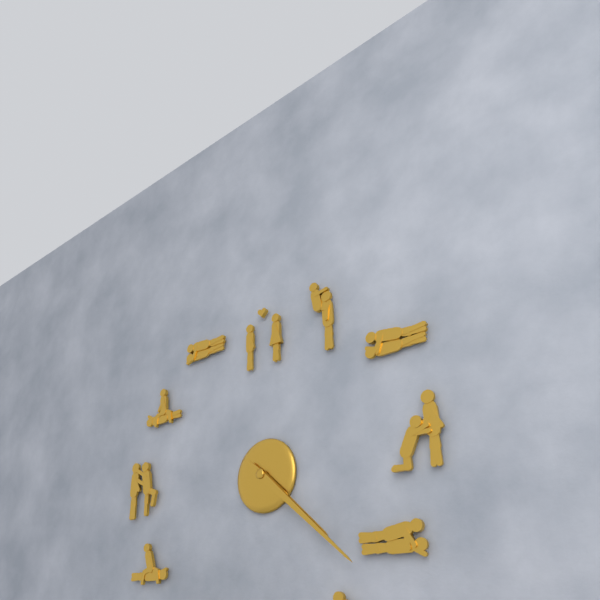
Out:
h=4 m=22
